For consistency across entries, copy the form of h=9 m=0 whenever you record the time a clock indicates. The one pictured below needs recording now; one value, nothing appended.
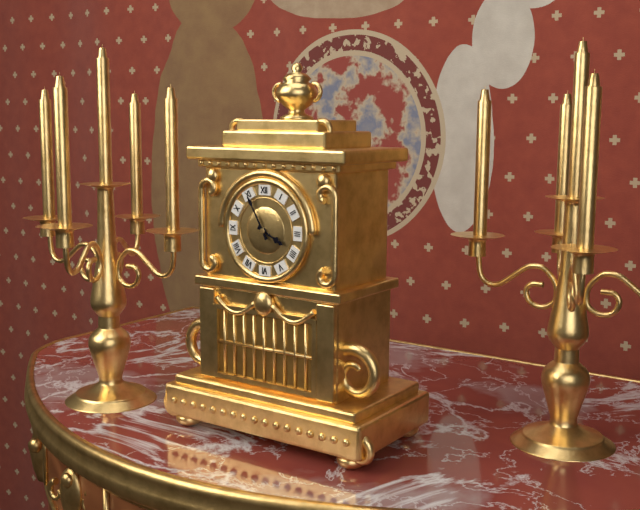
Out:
h=3 m=55
